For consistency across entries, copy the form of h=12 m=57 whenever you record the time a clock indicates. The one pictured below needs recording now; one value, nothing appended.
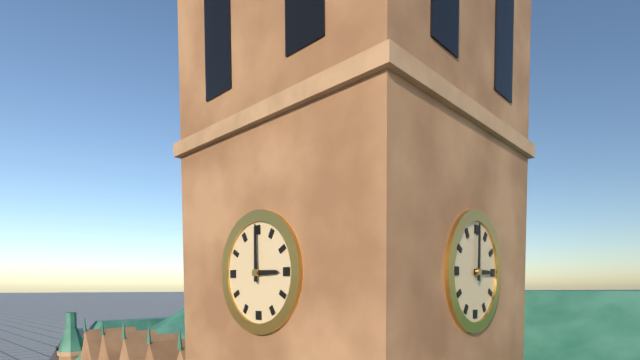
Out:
h=3 m=0
